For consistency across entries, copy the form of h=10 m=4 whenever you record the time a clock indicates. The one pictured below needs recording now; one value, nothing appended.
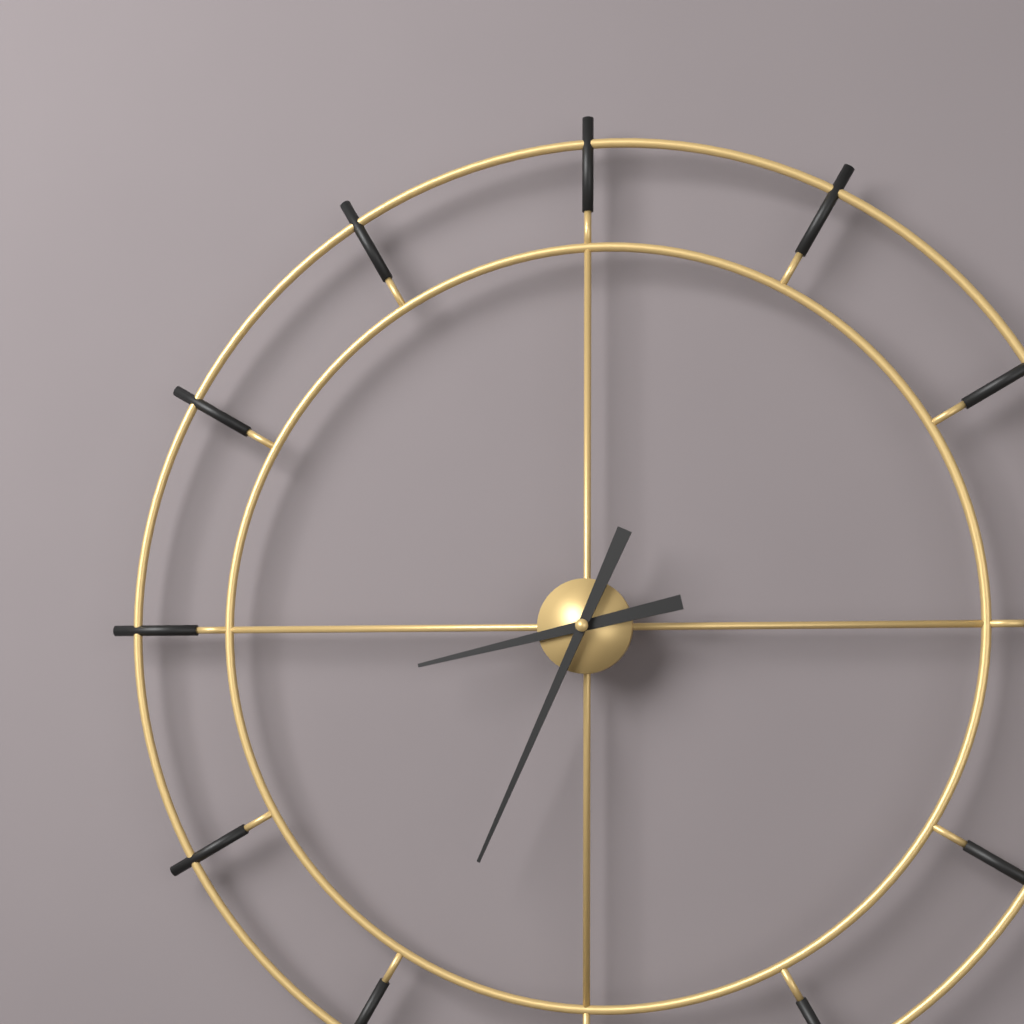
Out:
h=8 m=34
